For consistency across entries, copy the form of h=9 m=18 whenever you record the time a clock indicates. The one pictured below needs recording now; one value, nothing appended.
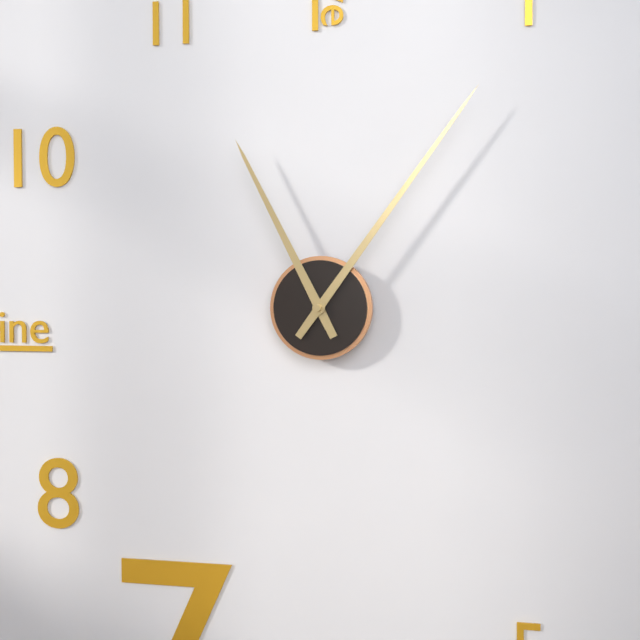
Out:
h=11 m=6
